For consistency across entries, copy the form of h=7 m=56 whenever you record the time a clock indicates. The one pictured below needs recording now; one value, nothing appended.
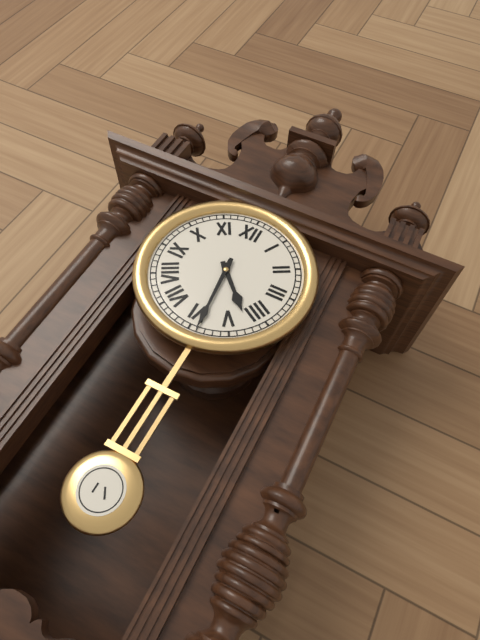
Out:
h=4 m=29
